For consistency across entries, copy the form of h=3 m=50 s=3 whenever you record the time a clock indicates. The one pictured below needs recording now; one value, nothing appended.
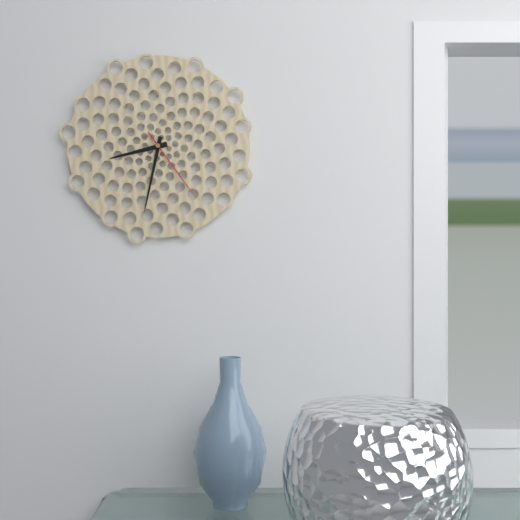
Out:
h=8 m=32 s=24
